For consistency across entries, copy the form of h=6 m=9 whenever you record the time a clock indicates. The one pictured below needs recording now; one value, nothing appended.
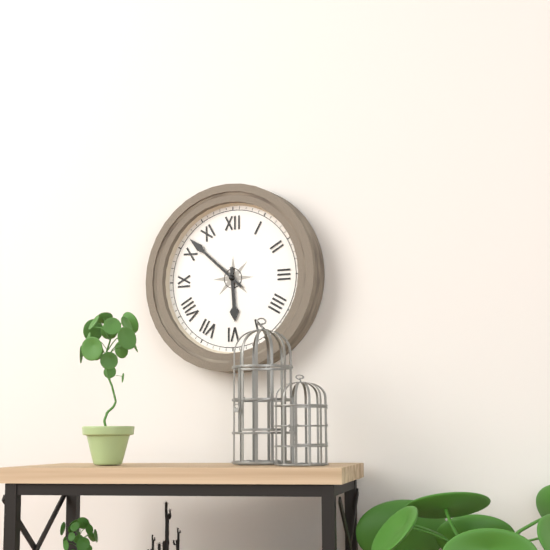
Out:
h=5 m=52
